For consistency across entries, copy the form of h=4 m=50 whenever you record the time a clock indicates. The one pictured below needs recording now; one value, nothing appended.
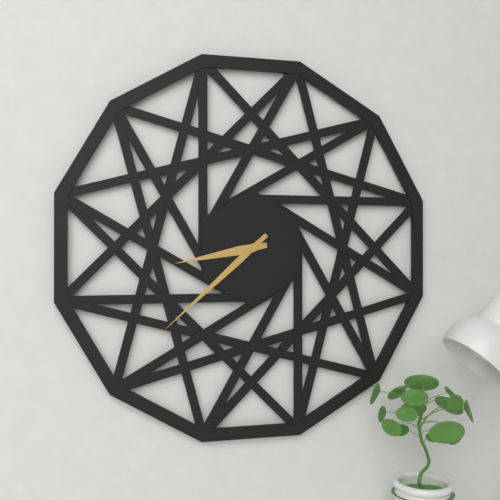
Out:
h=8 m=38
